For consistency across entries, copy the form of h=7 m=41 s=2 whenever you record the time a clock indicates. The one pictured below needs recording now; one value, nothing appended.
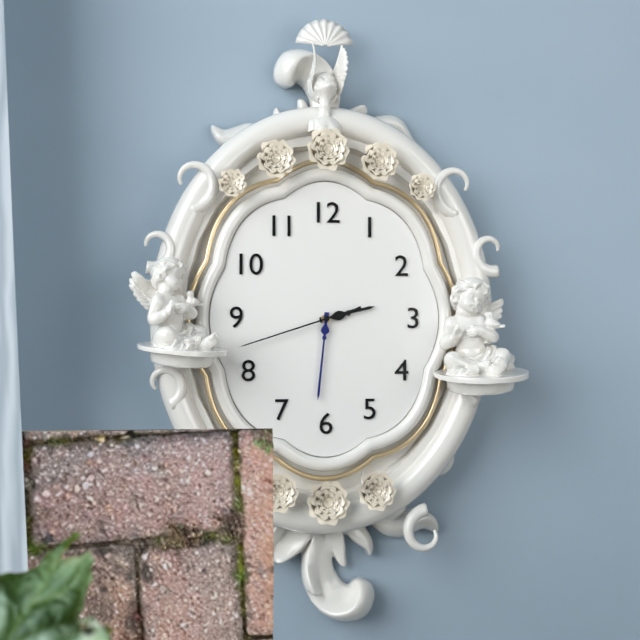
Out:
h=2 m=31 s=42
